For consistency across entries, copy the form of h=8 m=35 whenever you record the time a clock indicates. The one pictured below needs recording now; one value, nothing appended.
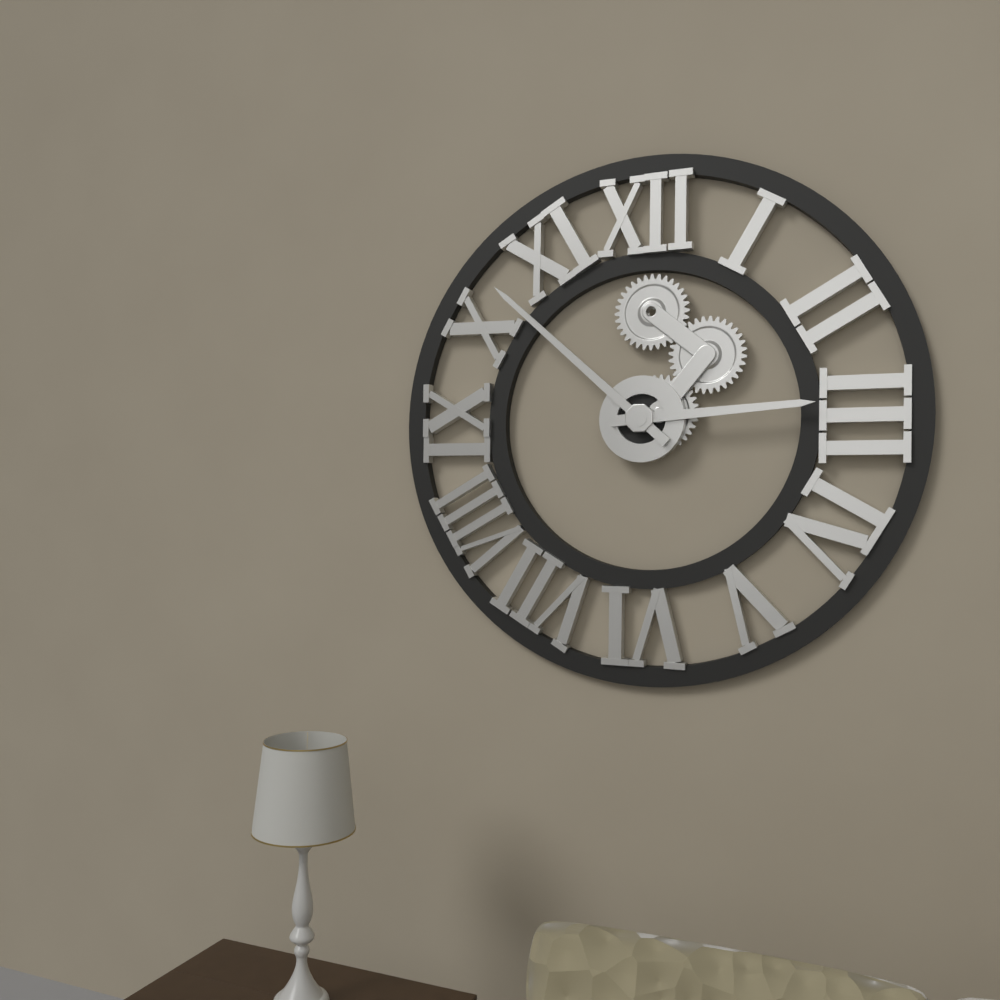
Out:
h=2 m=52
